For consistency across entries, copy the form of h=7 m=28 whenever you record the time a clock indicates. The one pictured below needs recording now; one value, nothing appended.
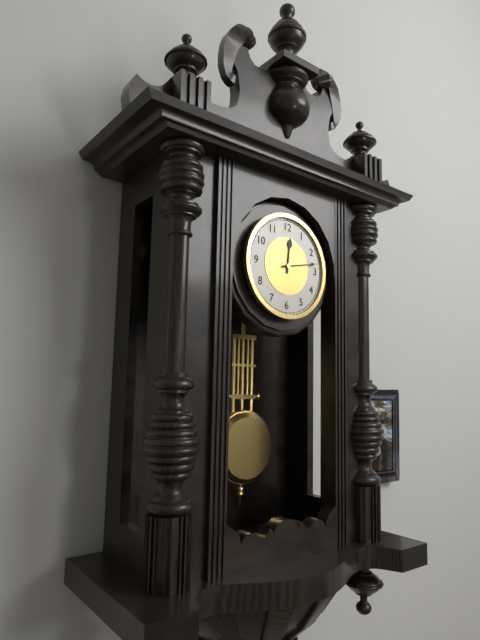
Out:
h=12 m=13
